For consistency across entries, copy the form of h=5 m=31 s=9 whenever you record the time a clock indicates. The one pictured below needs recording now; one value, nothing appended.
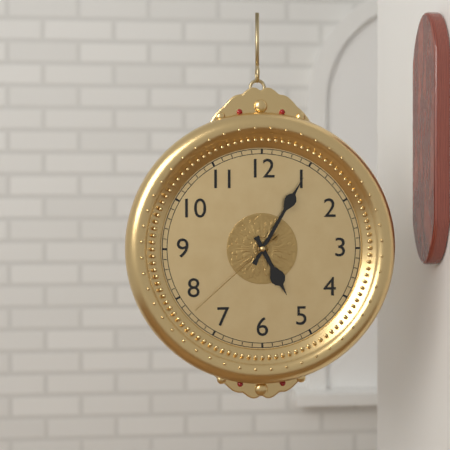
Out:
h=5 m=5 s=38
